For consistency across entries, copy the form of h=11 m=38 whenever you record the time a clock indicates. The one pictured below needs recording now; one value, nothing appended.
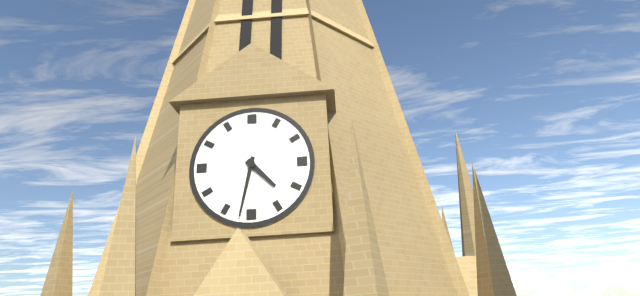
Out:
h=4 m=32
